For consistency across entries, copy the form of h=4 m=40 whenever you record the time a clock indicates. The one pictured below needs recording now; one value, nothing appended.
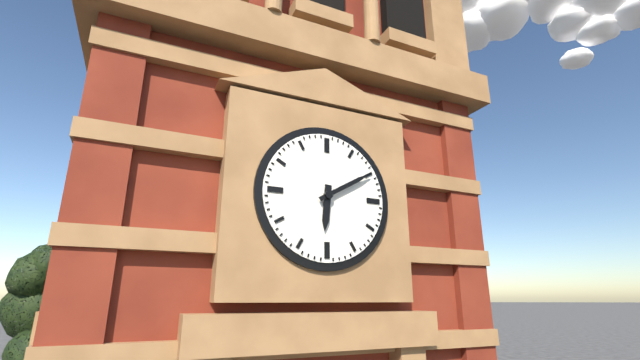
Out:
h=6 m=10
